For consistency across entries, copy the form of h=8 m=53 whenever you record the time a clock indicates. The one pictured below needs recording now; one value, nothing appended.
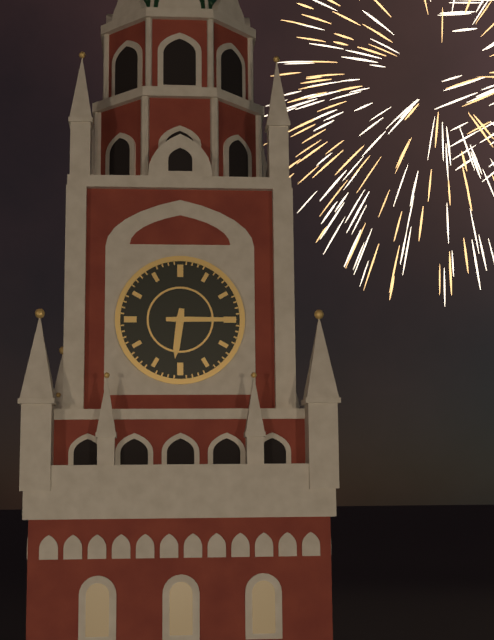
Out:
h=6 m=15
